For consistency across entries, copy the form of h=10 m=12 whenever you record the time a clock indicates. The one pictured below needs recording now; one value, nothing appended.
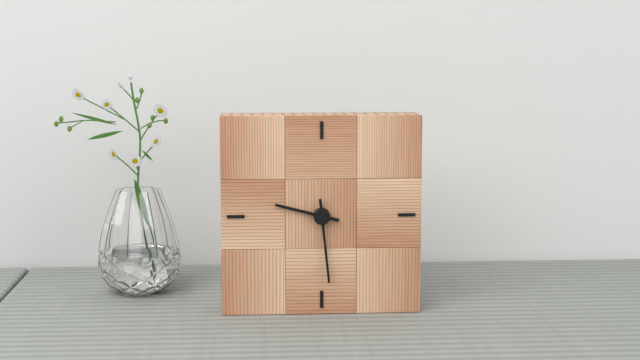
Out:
h=9 m=29
